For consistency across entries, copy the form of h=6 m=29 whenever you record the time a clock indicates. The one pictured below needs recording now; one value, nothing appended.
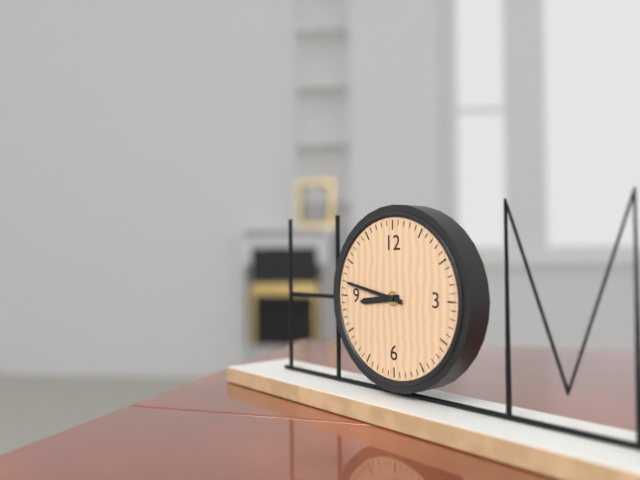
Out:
h=8 m=47
